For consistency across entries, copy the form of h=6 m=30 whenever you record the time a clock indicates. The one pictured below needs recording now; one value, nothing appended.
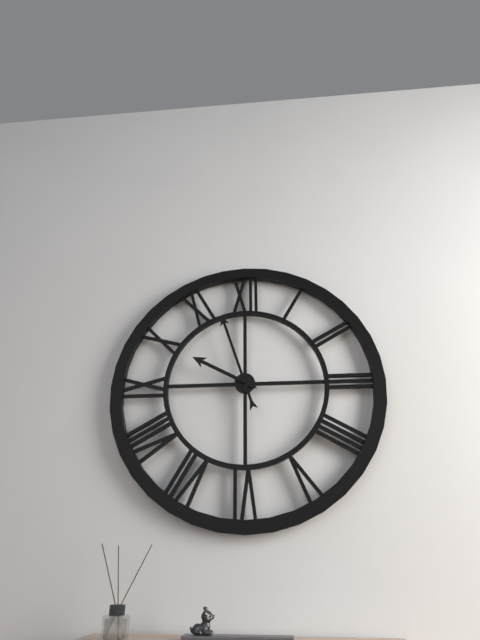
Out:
h=9 m=57
